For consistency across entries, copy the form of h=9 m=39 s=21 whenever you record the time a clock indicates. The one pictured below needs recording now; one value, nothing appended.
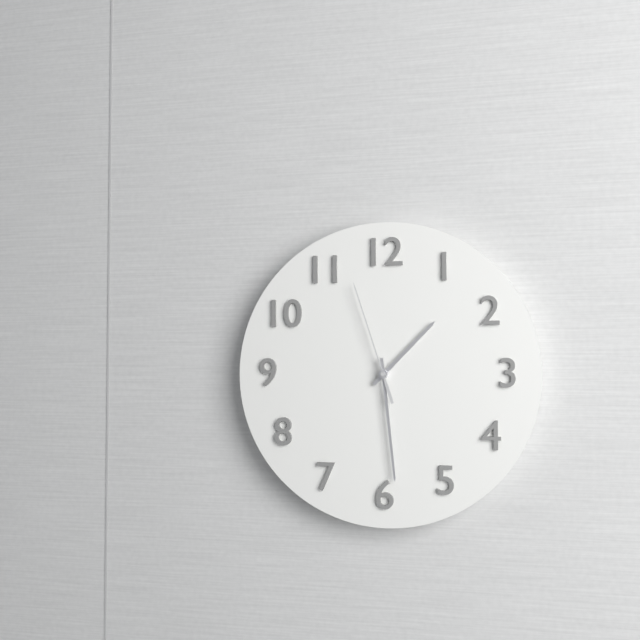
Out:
h=1 m=29 s=57
